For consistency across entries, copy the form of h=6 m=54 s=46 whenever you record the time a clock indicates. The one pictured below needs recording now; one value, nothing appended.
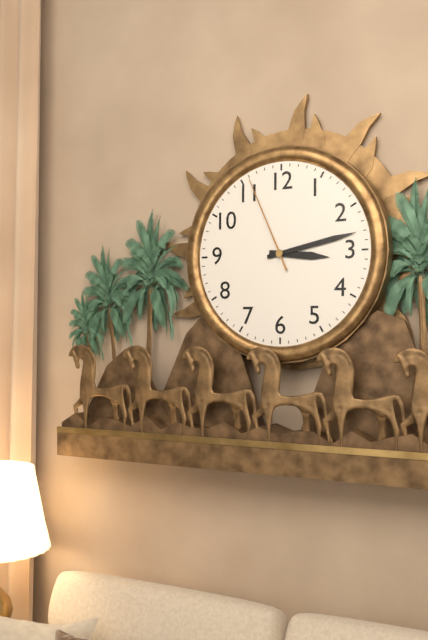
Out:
h=3 m=13 s=56
